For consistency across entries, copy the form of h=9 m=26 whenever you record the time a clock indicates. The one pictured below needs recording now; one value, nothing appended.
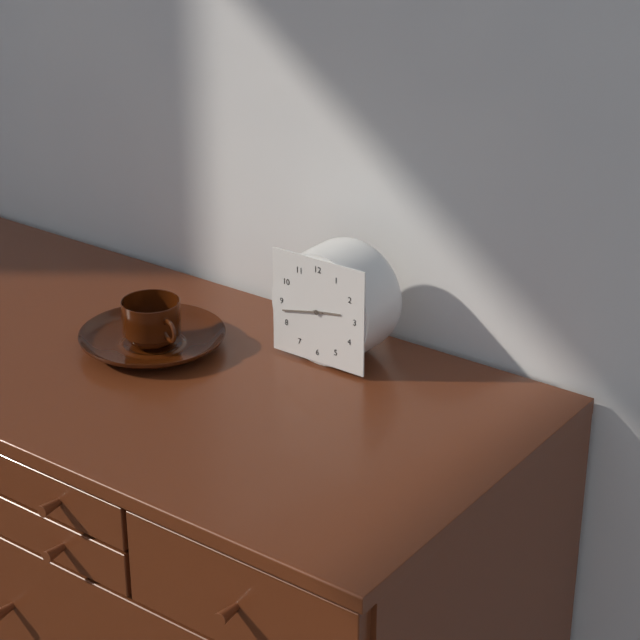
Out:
h=2 m=43
